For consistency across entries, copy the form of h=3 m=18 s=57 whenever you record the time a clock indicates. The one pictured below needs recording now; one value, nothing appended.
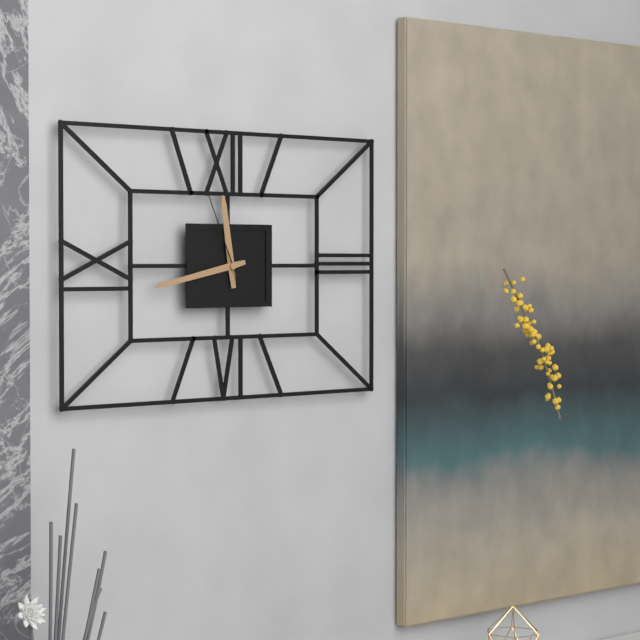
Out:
h=11 m=43 s=56
